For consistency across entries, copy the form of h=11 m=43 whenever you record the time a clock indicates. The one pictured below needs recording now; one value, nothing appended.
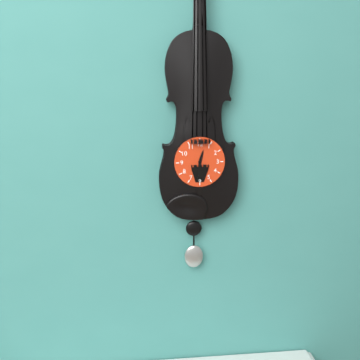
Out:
h=12 m=31
